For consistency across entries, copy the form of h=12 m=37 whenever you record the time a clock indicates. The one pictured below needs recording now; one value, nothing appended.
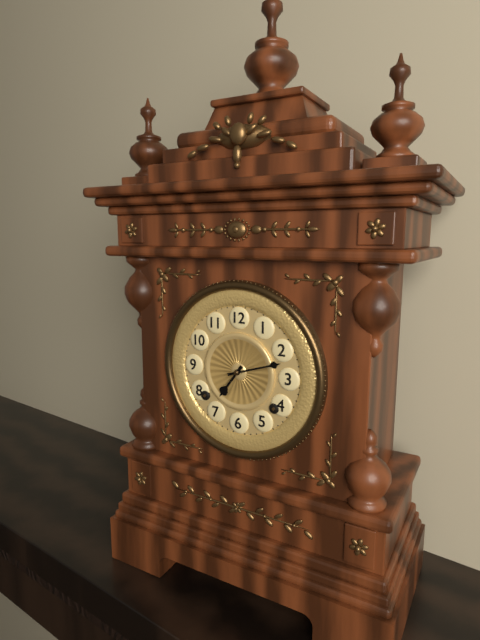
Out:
h=7 m=12
